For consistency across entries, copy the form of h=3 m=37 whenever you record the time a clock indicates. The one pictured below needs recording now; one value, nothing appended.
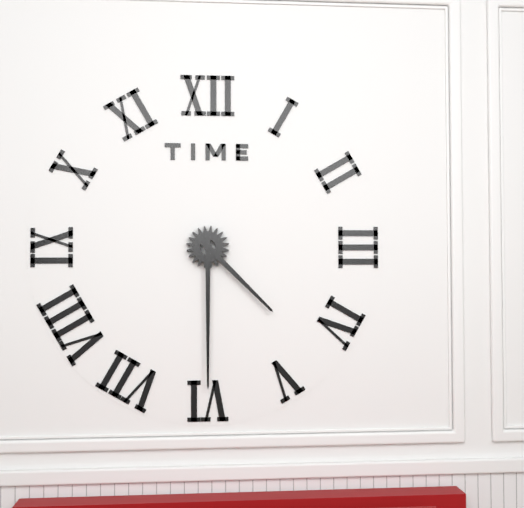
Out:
h=4 m=30
